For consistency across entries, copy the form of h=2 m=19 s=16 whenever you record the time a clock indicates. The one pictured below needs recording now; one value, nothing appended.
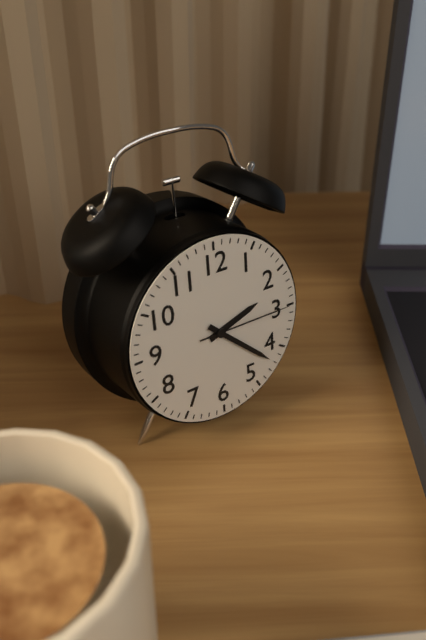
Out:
h=2 m=22 s=15
